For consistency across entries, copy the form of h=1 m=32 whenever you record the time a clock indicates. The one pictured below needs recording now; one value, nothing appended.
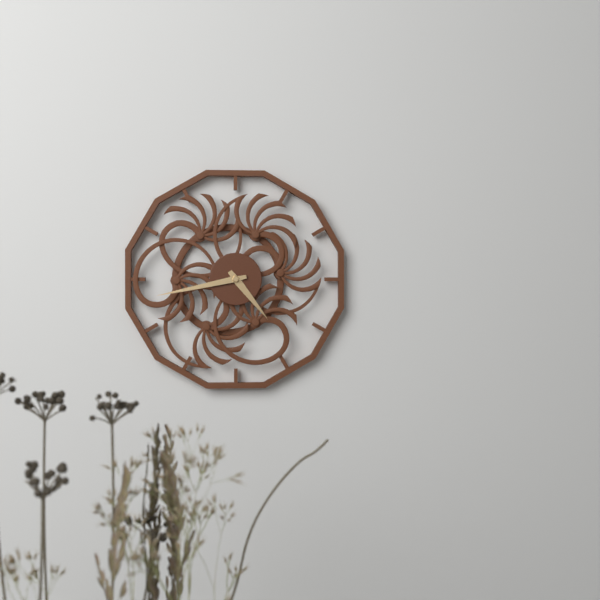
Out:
h=4 m=43
